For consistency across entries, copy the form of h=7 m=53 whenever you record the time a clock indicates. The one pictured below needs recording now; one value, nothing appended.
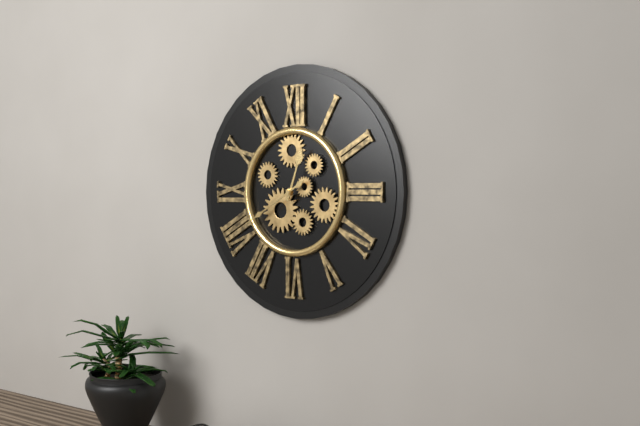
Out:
h=12 m=40
